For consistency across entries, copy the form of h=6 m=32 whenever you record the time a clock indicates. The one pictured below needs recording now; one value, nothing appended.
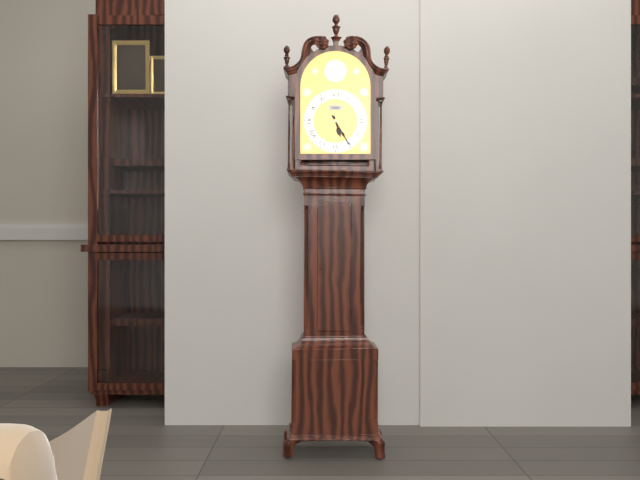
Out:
h=5 m=25
